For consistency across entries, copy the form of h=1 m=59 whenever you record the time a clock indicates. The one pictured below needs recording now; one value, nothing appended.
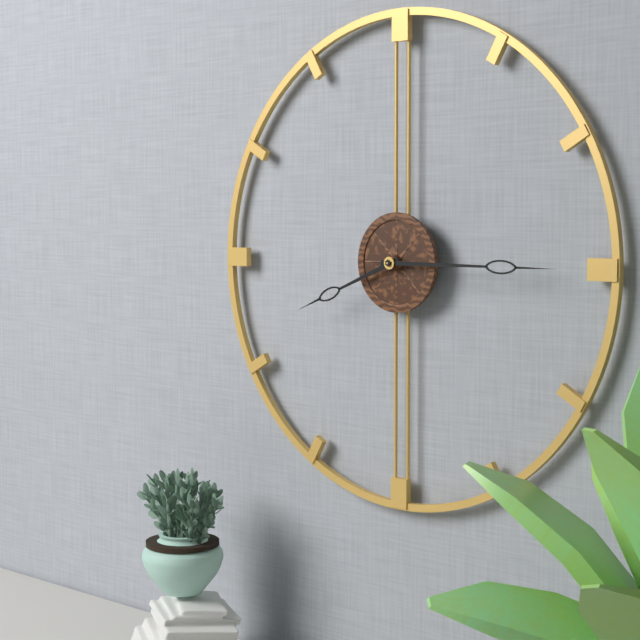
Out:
h=8 m=15
